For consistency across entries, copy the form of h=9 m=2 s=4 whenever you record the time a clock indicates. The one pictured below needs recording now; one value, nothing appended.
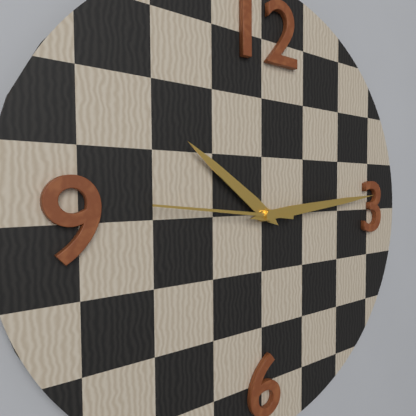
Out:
h=10 m=14 s=46
